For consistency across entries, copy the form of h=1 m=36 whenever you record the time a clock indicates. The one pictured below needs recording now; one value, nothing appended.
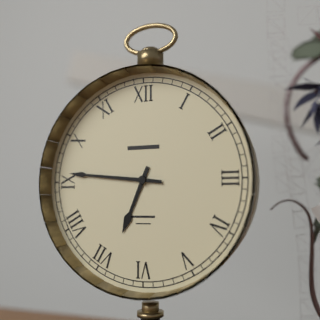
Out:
h=6 m=46
